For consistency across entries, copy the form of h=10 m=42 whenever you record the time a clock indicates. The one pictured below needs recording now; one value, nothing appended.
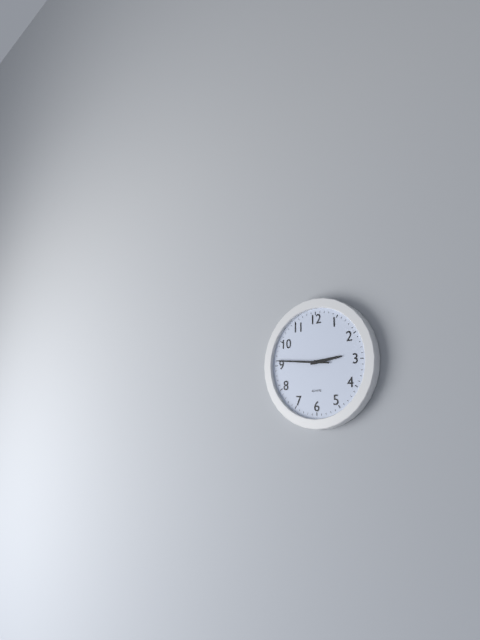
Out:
h=2 m=46
